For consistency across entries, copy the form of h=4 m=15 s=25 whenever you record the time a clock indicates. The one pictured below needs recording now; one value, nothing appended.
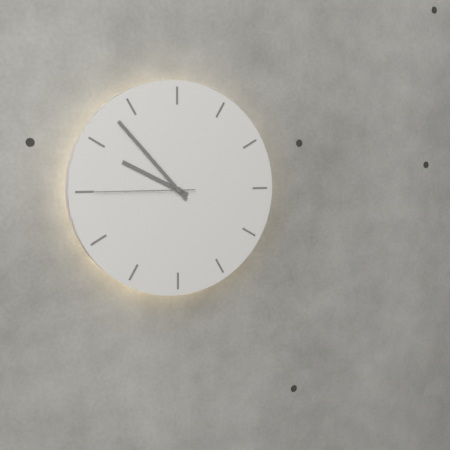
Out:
h=9 m=53 s=45
